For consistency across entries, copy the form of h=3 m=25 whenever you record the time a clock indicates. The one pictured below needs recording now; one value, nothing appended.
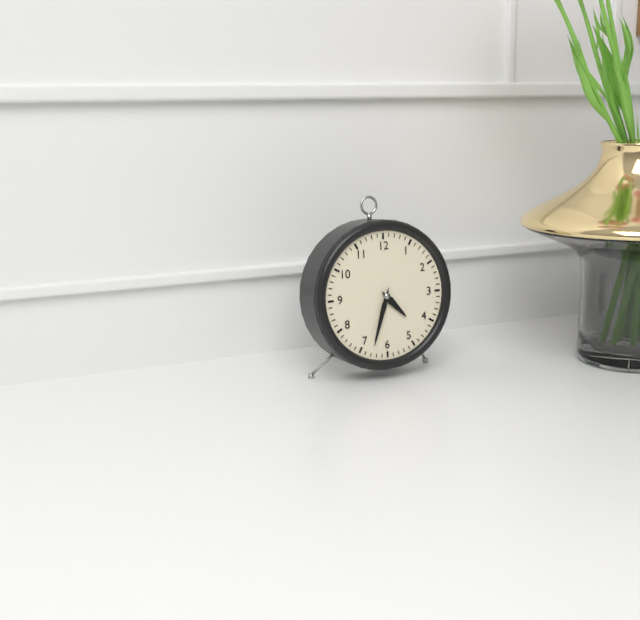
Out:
h=4 m=33
